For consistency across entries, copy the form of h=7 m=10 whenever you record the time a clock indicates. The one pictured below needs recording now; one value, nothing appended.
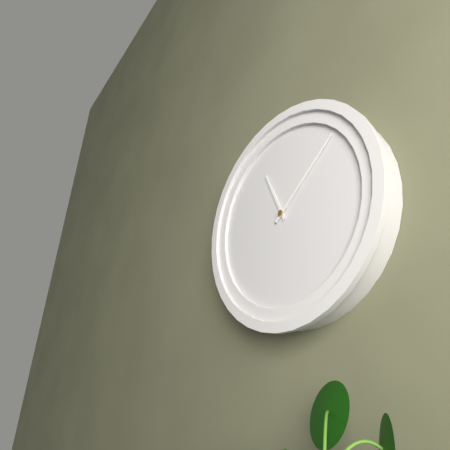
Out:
h=11 m=8
